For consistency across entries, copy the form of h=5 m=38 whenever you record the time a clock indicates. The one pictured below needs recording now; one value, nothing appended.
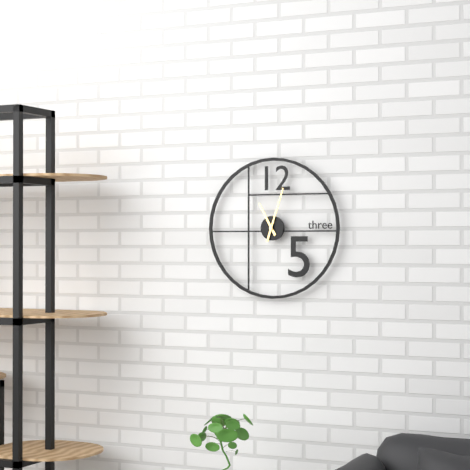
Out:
h=11 m=3
